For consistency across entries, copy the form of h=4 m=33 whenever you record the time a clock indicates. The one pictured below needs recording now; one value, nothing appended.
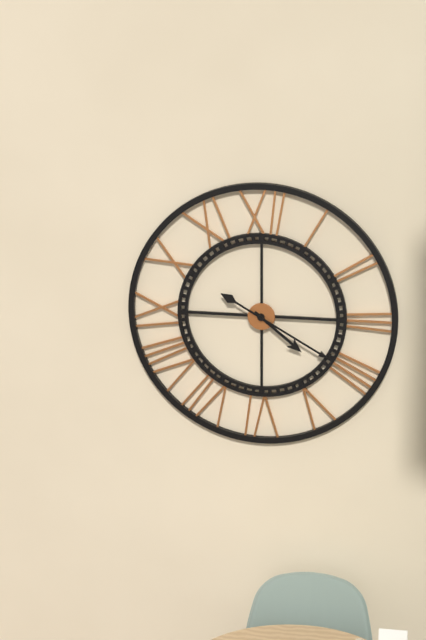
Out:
h=4 m=20
